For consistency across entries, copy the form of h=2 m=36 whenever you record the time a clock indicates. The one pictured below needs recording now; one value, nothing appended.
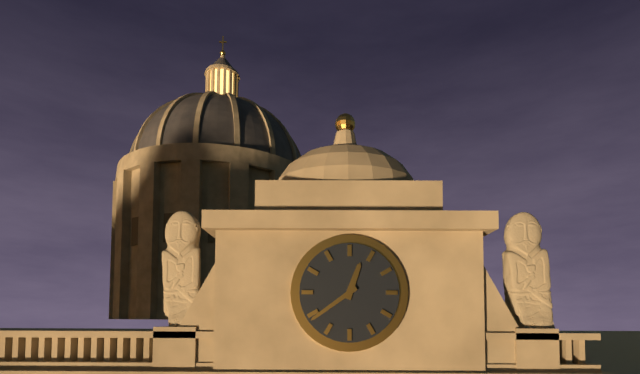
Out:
h=12 m=39
